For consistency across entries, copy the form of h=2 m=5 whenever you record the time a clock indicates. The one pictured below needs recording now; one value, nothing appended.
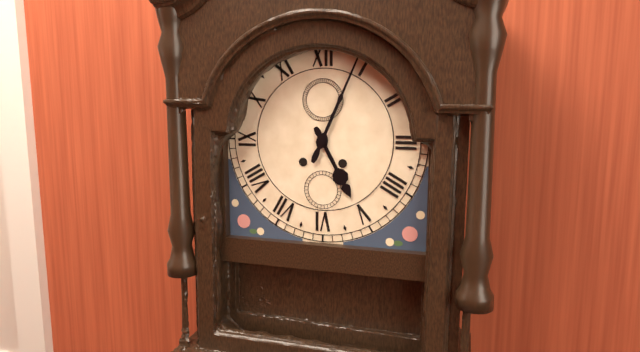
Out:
h=5 m=4
